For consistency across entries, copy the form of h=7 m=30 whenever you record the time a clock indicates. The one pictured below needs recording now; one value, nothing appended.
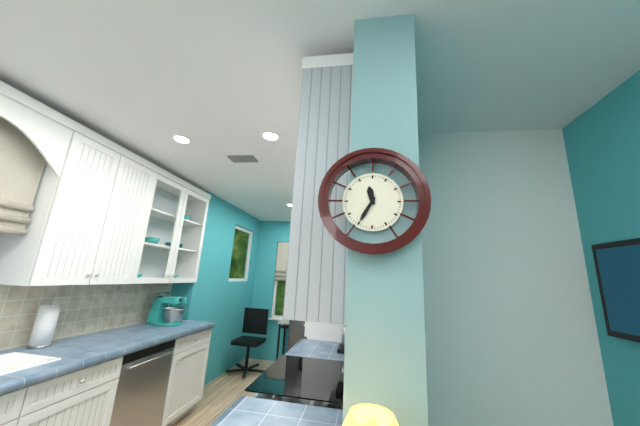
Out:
h=11 m=35
